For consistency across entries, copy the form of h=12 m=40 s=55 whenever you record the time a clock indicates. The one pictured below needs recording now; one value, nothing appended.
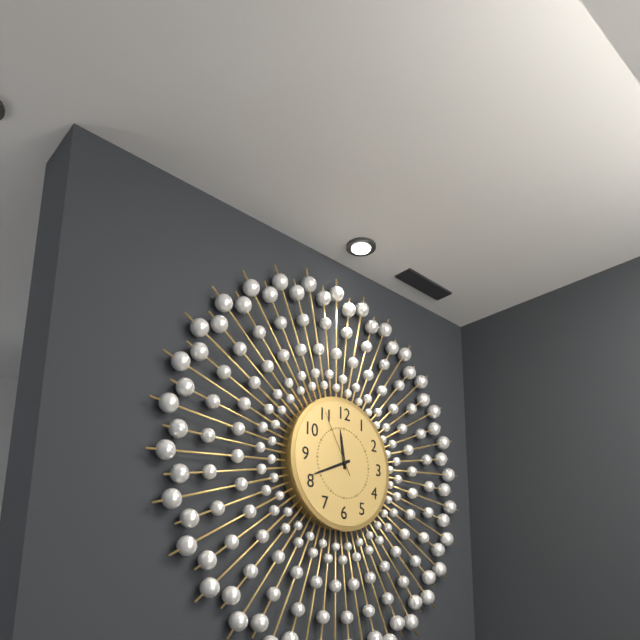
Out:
h=11 m=41 s=55
